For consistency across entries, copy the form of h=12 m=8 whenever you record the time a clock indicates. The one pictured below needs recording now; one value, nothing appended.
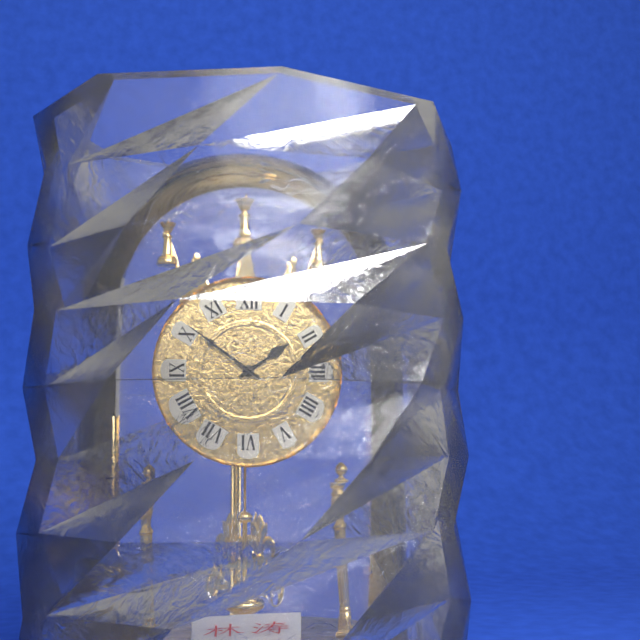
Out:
h=1 m=51
